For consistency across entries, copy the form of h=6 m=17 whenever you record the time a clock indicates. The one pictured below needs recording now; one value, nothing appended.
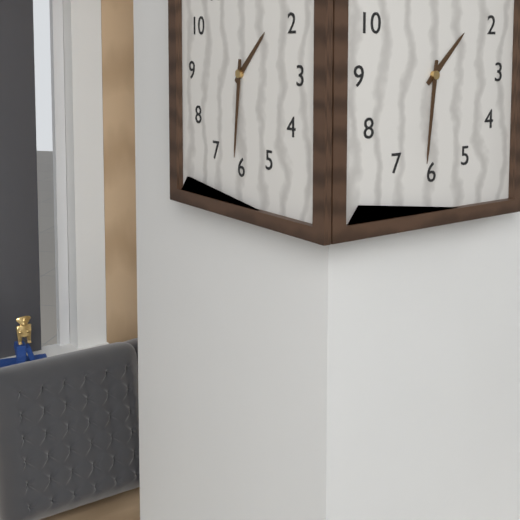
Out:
h=1 m=31
